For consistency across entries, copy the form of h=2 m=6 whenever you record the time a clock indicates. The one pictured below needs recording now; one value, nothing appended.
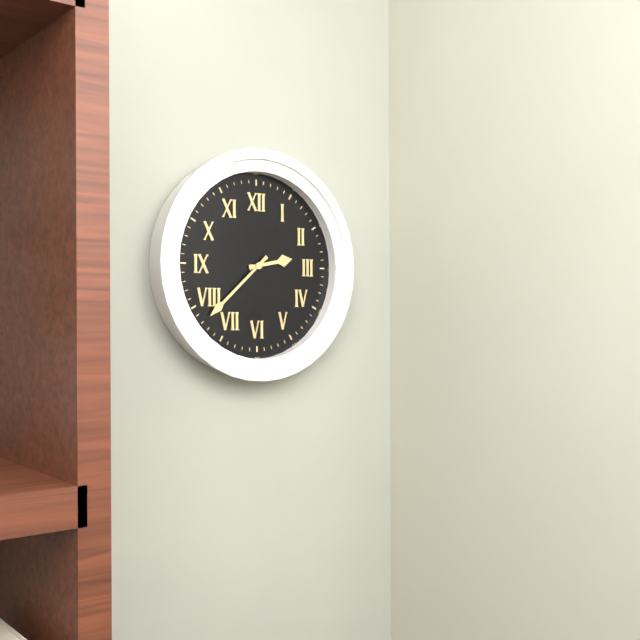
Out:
h=2 m=38
